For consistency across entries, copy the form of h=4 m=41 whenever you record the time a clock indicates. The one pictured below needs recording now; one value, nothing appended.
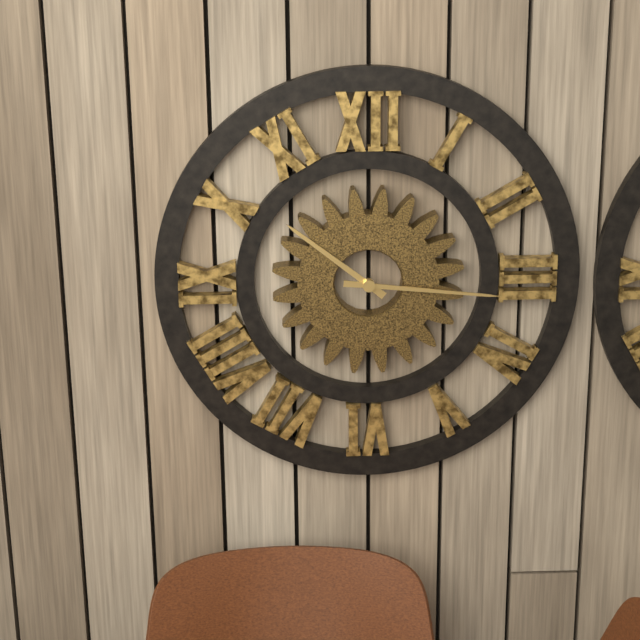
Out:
h=10 m=16
